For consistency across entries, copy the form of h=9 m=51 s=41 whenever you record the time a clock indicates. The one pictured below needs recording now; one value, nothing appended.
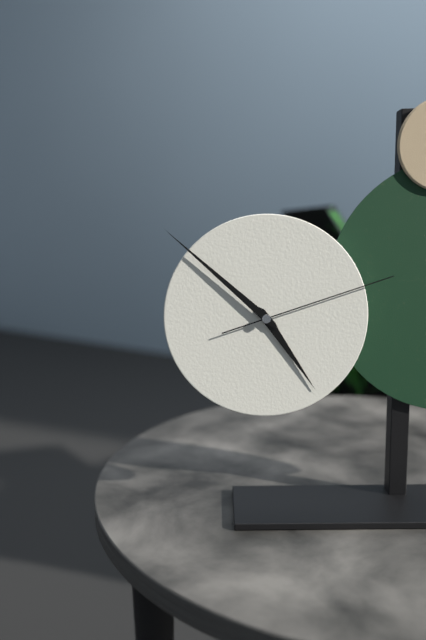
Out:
h=4 m=52 s=12
